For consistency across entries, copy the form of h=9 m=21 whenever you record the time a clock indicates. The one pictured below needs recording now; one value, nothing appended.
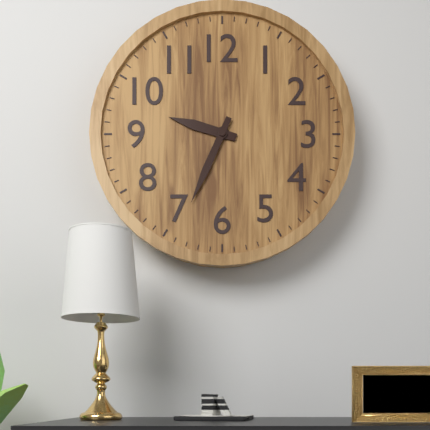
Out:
h=9 m=34
